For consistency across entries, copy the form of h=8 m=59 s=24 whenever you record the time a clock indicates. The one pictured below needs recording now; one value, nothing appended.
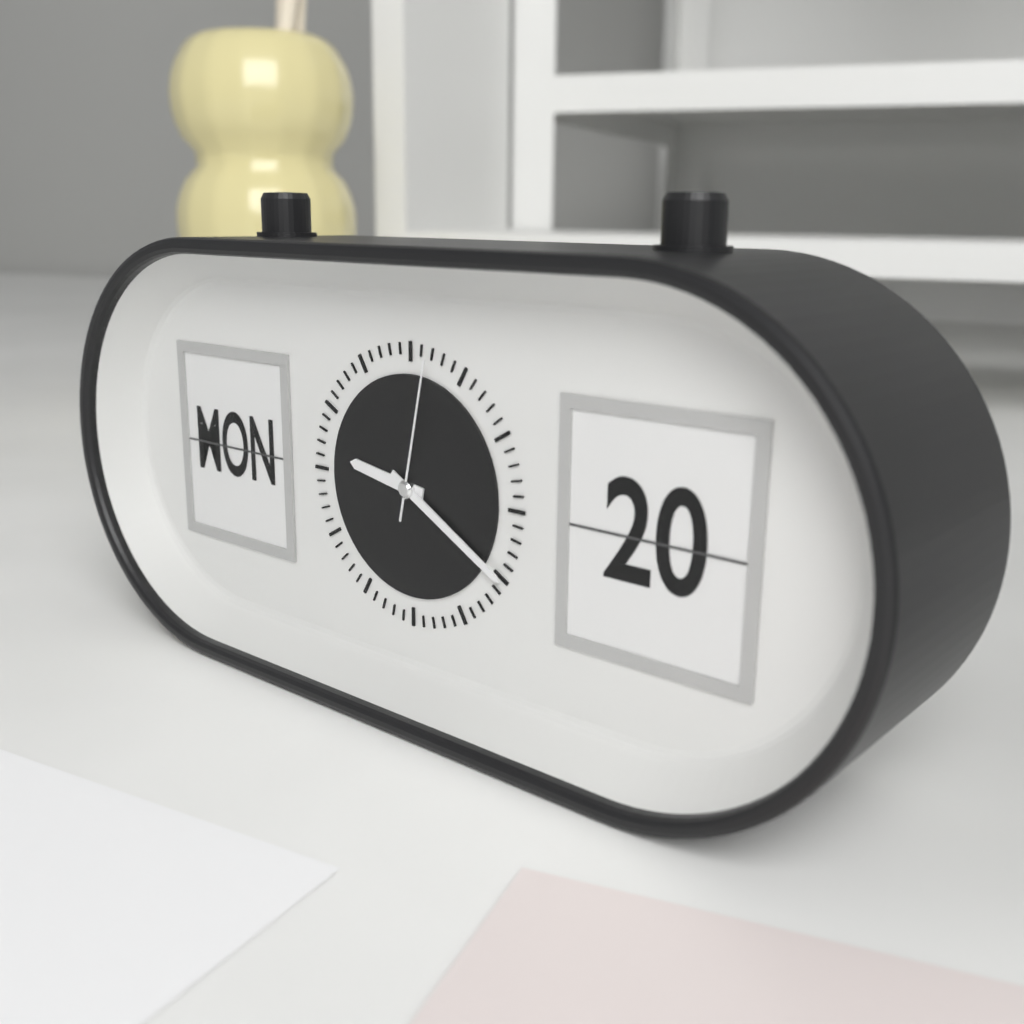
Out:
h=9 m=20 s=2
